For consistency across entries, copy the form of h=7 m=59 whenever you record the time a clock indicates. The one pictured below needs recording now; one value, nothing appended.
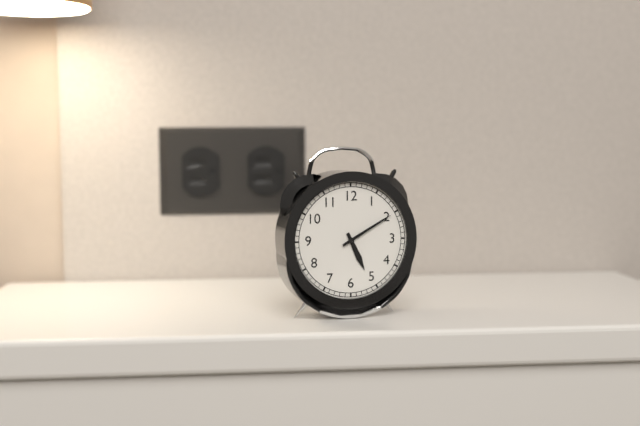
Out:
h=5 m=10
